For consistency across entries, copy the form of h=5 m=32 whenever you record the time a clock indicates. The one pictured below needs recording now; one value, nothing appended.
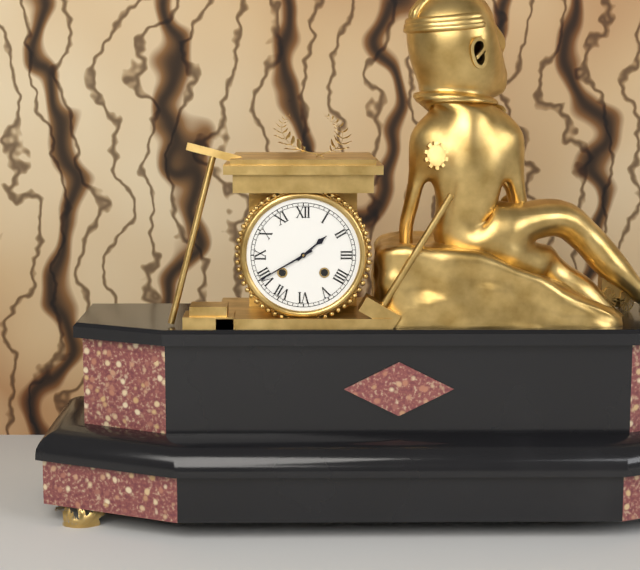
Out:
h=1 m=40
